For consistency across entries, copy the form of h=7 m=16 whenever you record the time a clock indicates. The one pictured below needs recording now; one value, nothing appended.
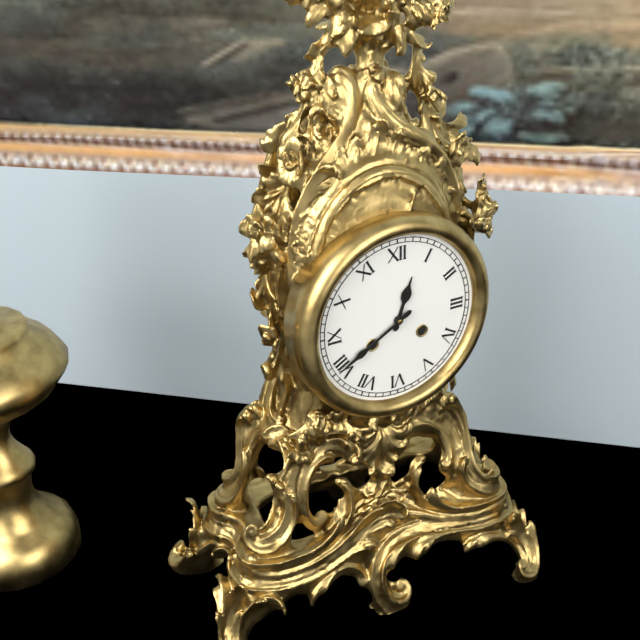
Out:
h=12 m=40
